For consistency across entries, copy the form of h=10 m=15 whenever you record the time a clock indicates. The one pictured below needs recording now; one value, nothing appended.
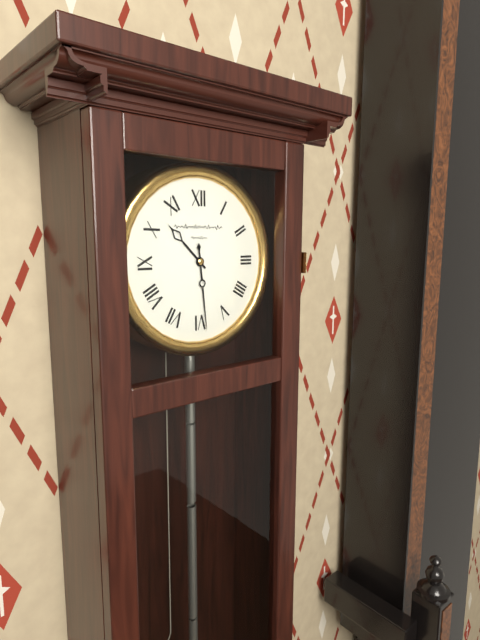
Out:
h=10 m=29
